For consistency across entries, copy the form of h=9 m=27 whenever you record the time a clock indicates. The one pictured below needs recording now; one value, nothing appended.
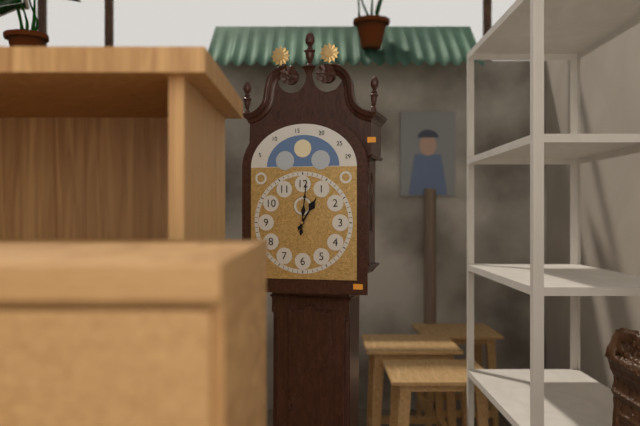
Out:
h=1 m=1
